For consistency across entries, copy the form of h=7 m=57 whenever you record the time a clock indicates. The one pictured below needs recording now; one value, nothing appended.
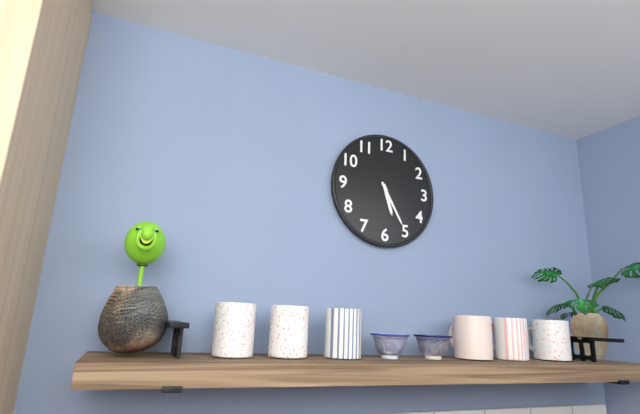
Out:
h=5 m=25
